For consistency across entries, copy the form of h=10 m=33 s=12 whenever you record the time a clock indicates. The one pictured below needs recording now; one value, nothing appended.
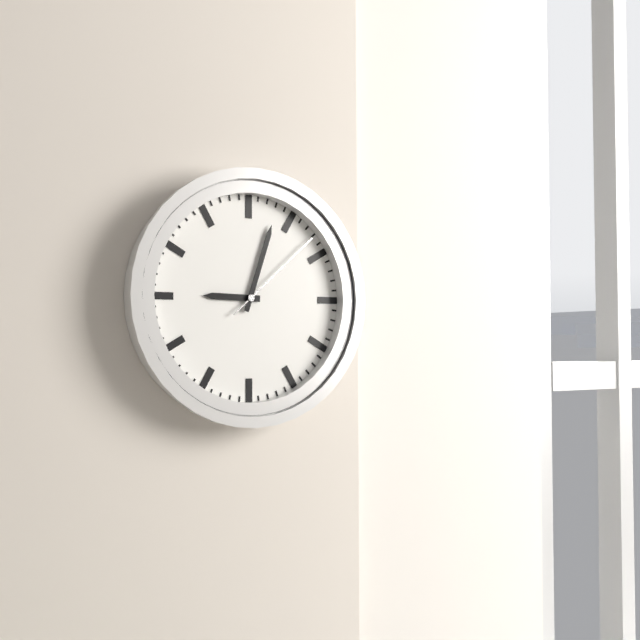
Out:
h=9 m=3 s=8
